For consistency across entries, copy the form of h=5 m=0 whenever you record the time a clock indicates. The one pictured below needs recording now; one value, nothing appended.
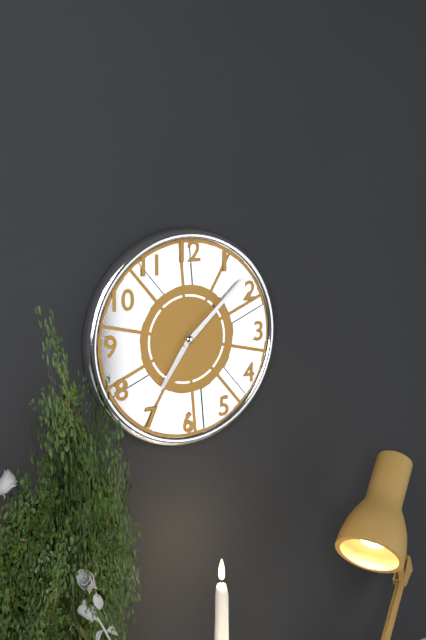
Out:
h=7 m=8
